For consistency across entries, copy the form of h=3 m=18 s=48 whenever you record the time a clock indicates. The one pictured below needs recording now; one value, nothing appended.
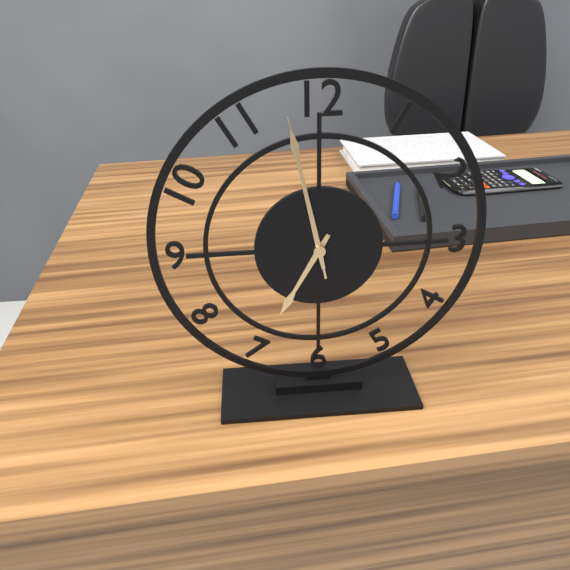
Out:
h=6 m=58 s=58
